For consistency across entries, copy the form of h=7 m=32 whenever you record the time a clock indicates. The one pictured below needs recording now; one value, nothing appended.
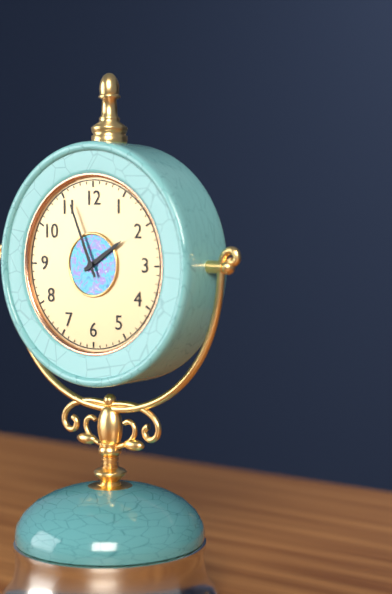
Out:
h=1 m=56
